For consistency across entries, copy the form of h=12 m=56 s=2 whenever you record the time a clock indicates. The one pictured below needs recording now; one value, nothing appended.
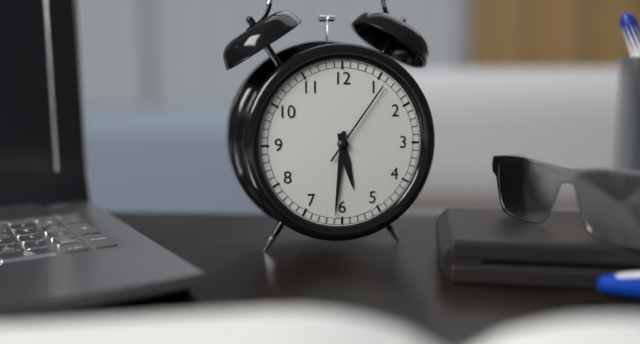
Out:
h=5 m=31 s=6
